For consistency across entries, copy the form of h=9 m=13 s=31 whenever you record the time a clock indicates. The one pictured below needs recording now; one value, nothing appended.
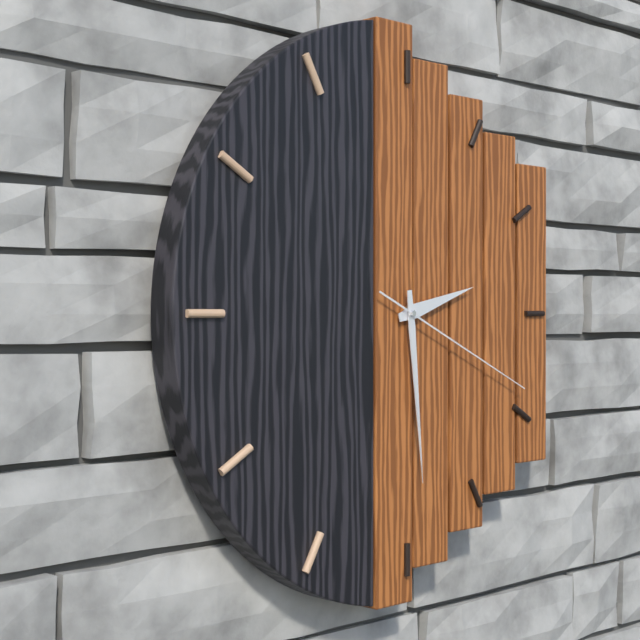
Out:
h=2 m=29 s=19
